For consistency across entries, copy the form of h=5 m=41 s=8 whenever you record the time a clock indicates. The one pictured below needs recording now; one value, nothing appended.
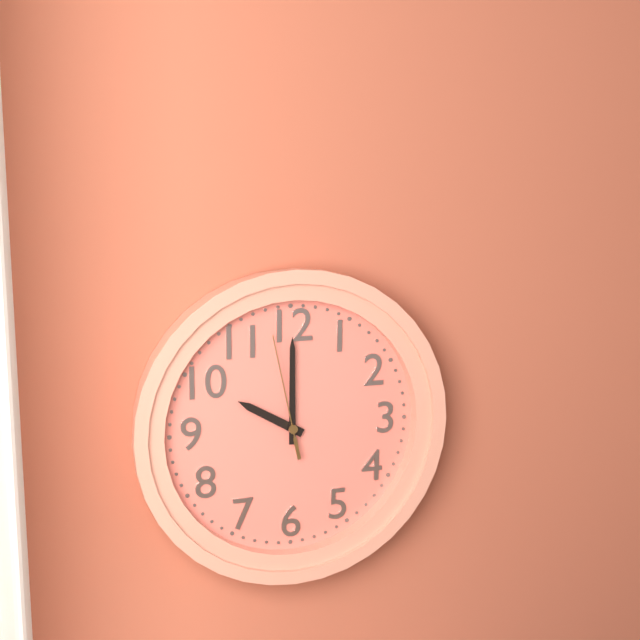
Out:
h=10 m=0 s=58
